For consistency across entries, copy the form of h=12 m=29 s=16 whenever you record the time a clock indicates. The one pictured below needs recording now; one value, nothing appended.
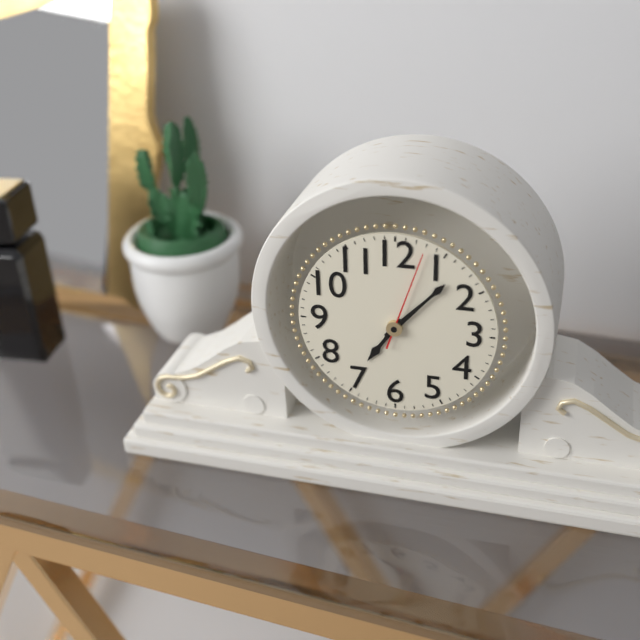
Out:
h=7 m=7 s=3
